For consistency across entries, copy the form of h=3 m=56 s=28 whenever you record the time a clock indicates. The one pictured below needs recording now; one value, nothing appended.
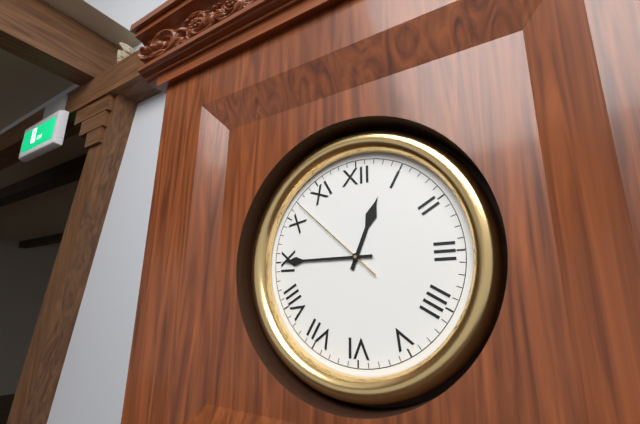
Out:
h=12 m=45 s=52
